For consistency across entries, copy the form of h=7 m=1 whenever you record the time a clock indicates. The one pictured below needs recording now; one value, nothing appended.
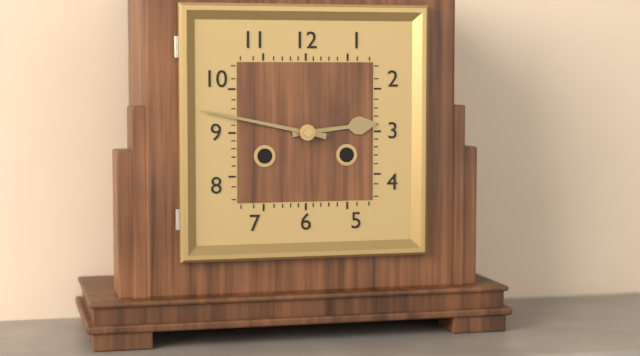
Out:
h=2 m=47
